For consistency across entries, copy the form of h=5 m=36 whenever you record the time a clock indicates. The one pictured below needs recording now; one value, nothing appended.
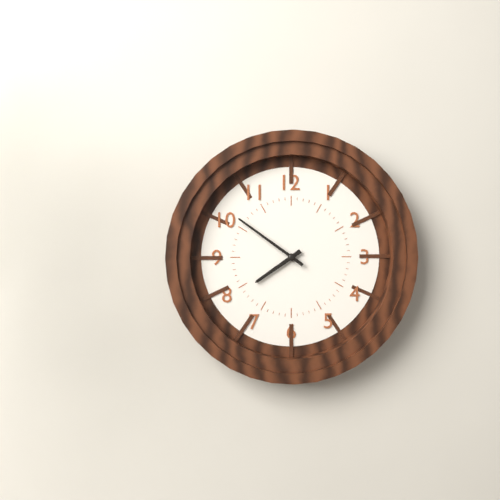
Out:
h=7 m=51
